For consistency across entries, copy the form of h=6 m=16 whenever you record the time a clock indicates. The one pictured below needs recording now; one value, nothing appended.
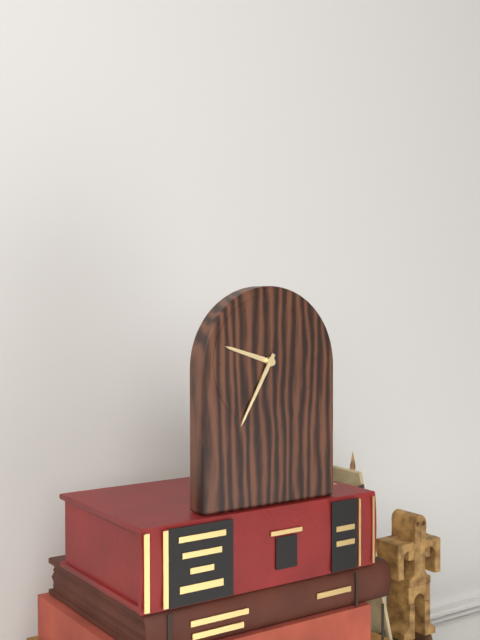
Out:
h=9 m=35
